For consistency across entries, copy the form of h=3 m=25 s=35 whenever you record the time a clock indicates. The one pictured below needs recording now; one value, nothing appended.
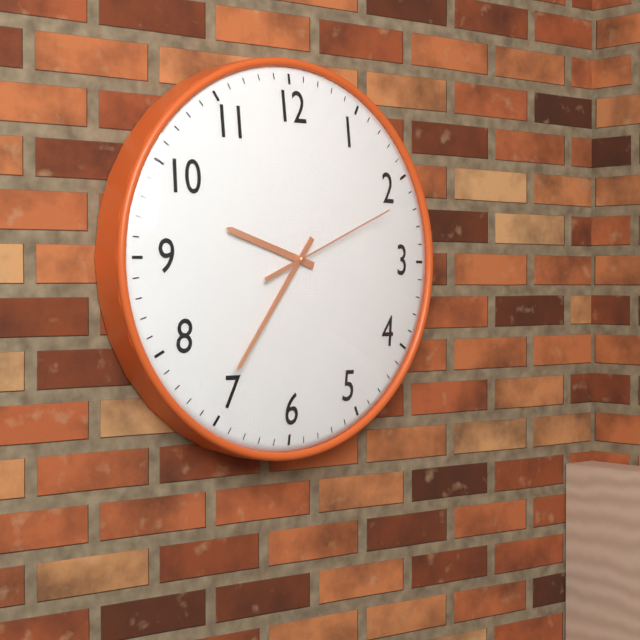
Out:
h=9 m=36 s=11
